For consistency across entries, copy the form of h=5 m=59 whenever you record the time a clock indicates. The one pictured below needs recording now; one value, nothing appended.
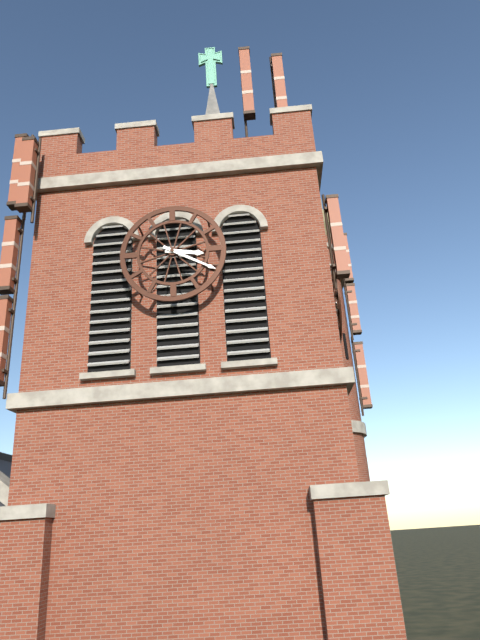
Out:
h=3 m=20
